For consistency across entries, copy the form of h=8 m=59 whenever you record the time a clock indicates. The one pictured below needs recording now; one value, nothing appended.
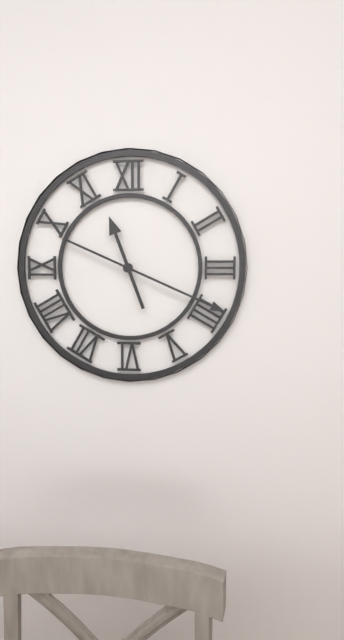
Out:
h=11 m=19
